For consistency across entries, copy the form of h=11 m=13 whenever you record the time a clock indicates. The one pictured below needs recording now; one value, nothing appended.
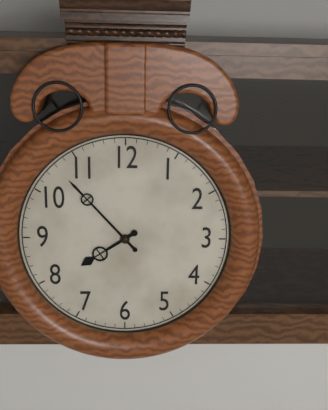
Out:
h=7 m=53
